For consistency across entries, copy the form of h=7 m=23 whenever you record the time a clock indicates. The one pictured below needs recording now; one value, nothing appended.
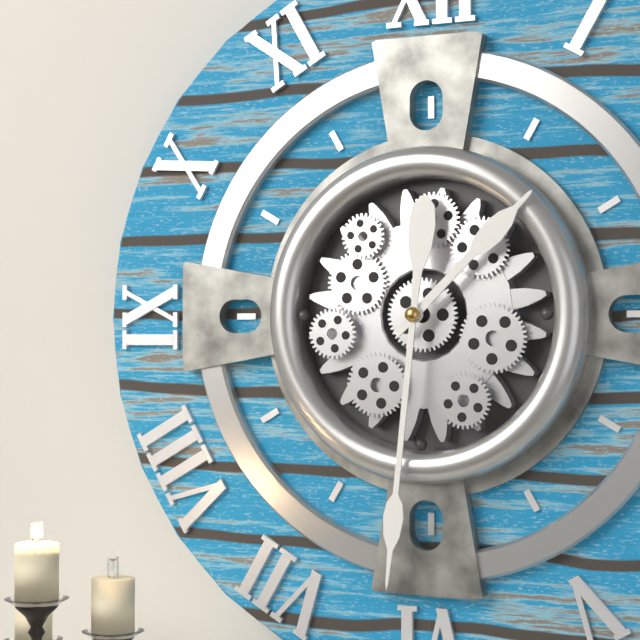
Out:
h=1 m=31
